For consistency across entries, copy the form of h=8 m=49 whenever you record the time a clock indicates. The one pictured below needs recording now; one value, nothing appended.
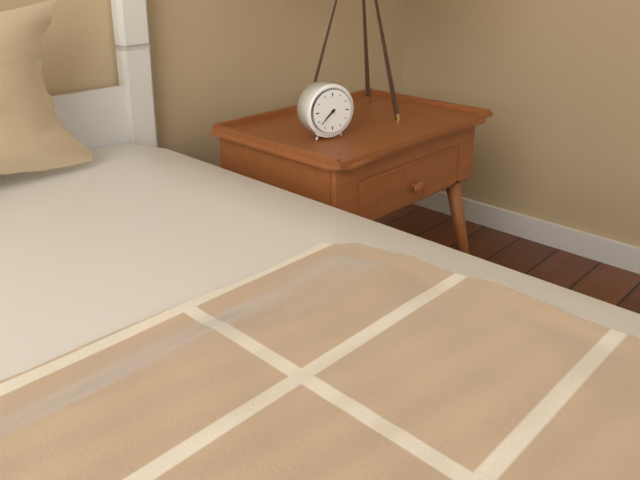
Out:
h=7 m=38
